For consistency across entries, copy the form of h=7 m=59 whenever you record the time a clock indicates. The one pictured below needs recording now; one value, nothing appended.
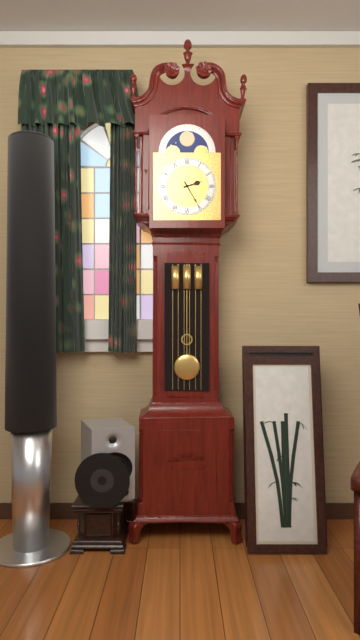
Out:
h=2 m=25
